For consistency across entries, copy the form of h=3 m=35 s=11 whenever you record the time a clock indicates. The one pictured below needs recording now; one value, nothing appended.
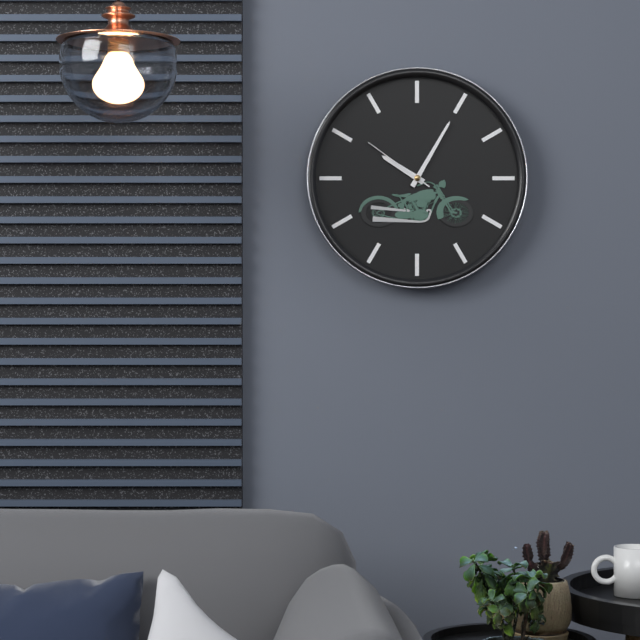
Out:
h=10 m=5 s=51
